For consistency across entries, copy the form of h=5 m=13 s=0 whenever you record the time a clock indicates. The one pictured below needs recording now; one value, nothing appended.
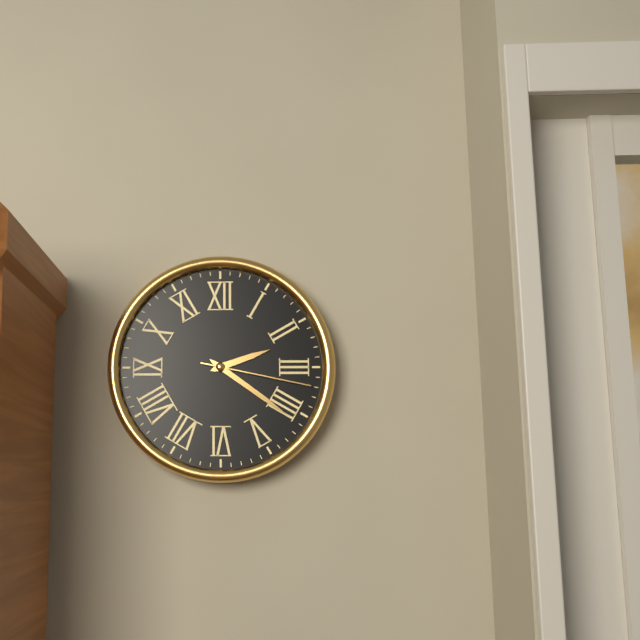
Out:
h=2 m=21 s=17
